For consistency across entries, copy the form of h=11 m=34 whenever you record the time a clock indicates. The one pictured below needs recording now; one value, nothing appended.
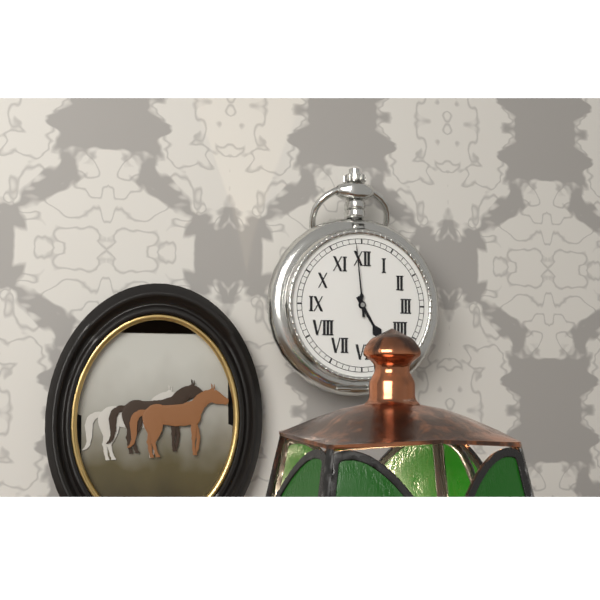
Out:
h=4 m=59
